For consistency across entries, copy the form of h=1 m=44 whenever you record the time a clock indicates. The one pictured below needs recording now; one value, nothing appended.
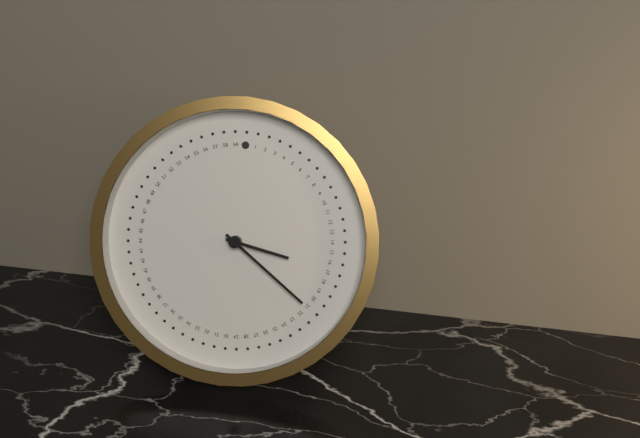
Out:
h=3 m=21
